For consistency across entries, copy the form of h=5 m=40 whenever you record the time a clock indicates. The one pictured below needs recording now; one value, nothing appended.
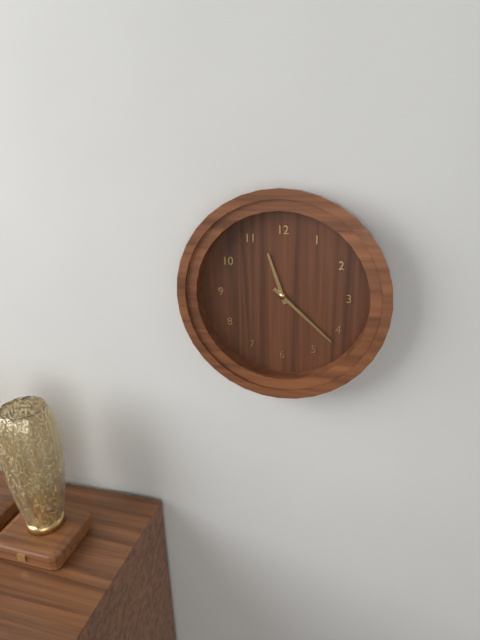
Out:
h=11 m=22
